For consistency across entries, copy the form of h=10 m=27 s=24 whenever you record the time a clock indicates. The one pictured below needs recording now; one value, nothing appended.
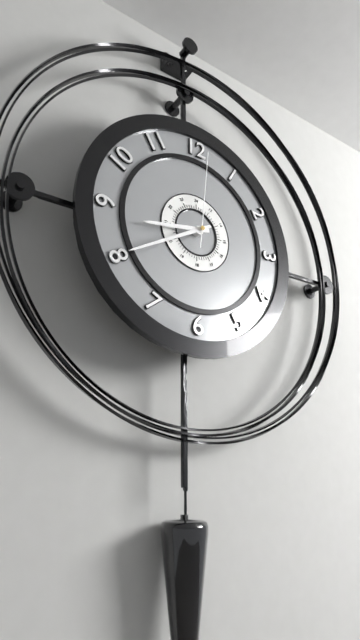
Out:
h=8 m=40 s=1
